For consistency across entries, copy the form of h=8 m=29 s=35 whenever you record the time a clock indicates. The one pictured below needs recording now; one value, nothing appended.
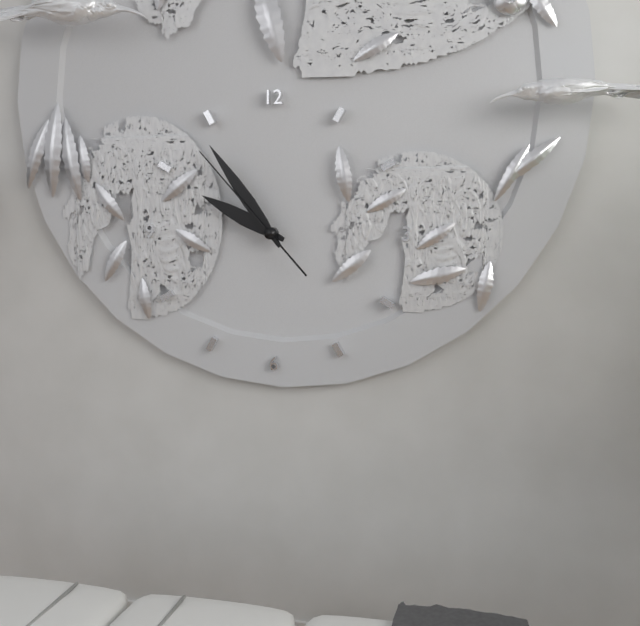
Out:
h=9 m=54 s=53
